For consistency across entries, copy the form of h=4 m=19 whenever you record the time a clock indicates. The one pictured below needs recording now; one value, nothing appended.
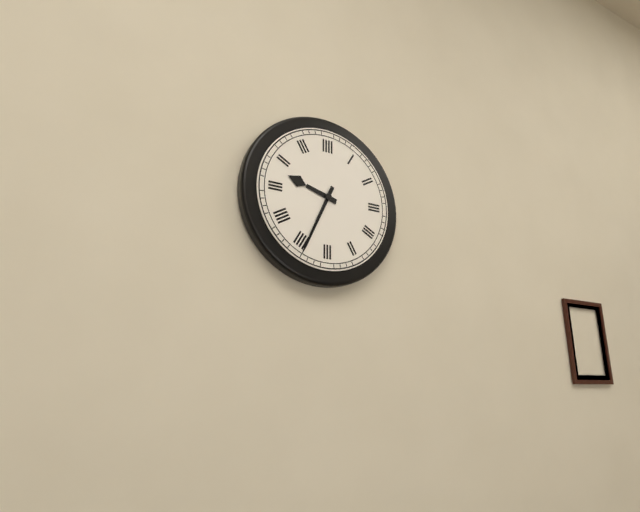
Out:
h=9 m=34
